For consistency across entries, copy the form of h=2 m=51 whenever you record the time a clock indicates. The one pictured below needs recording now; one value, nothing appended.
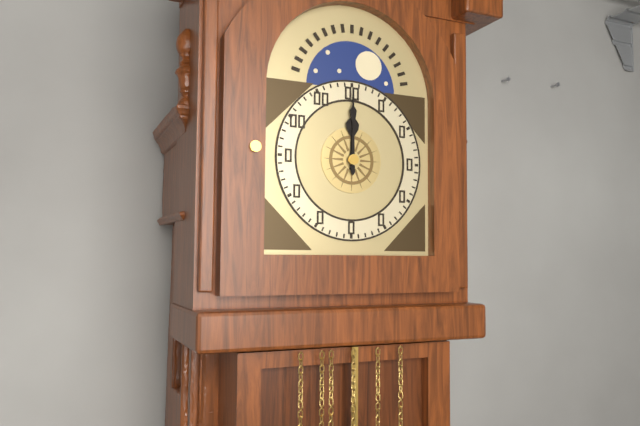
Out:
h=12 m=0
